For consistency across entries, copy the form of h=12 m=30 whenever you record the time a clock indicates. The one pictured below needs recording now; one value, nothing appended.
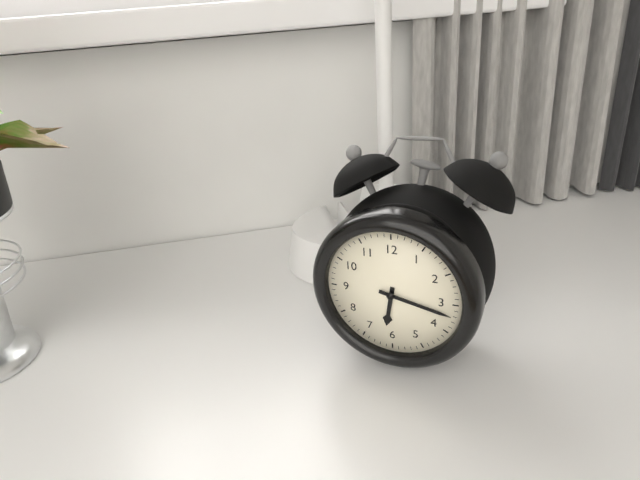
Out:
h=6 m=17
